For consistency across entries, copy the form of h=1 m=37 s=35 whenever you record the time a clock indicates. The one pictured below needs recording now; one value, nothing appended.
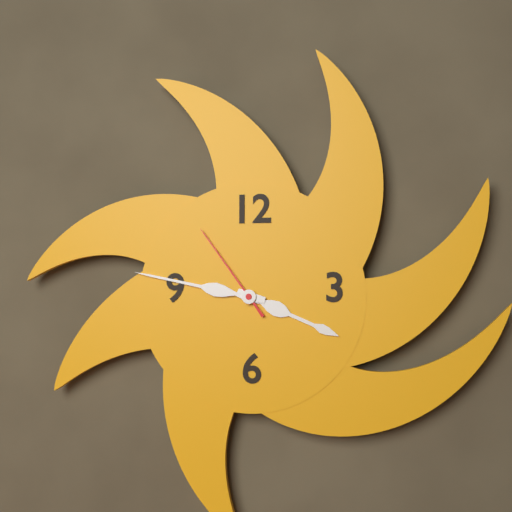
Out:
h=3 m=47 s=54
